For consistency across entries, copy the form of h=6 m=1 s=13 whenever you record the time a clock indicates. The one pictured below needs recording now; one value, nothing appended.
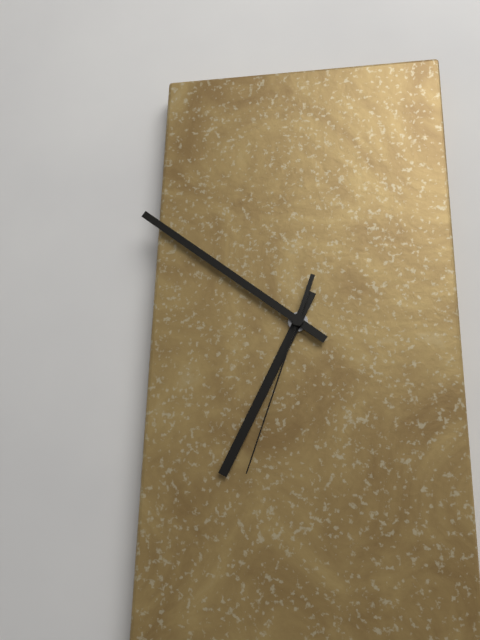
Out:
h=6 m=51 s=33
